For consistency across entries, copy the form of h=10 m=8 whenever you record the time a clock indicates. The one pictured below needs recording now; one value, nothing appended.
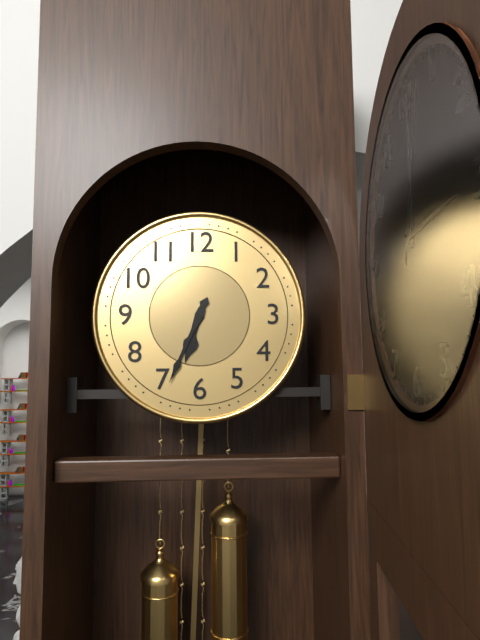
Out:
h=6 m=34
